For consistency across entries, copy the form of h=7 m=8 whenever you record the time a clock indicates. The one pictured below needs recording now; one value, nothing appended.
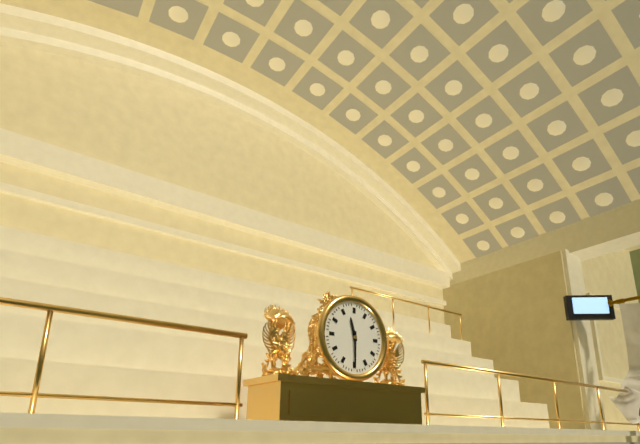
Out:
h=11 m=30
